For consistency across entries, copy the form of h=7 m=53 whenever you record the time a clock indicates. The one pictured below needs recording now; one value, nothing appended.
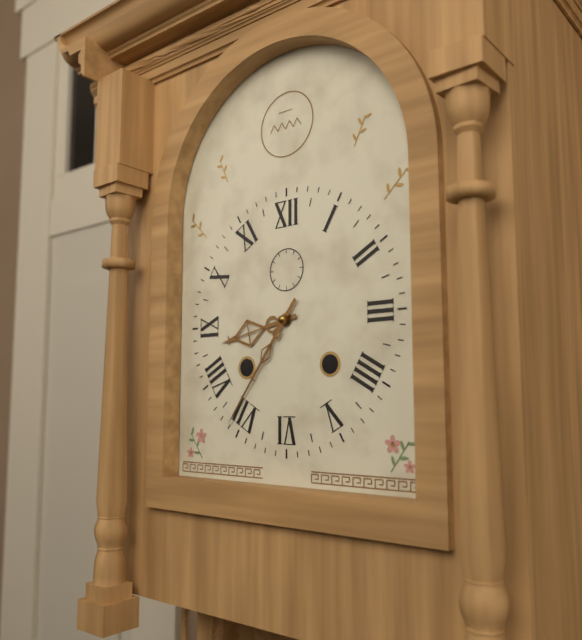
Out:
h=8 m=36
